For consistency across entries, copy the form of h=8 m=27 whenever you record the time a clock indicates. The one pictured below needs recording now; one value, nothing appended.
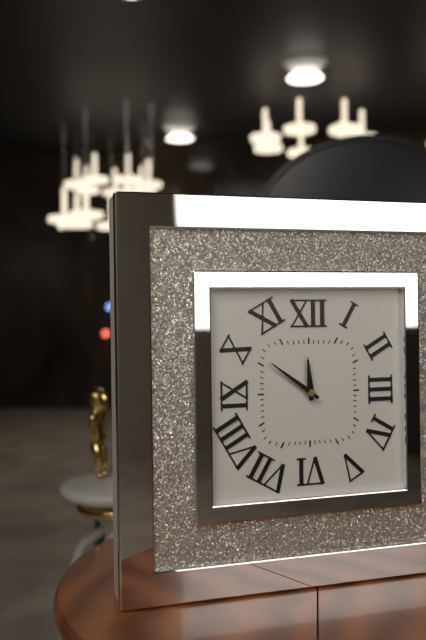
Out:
h=11 m=51
